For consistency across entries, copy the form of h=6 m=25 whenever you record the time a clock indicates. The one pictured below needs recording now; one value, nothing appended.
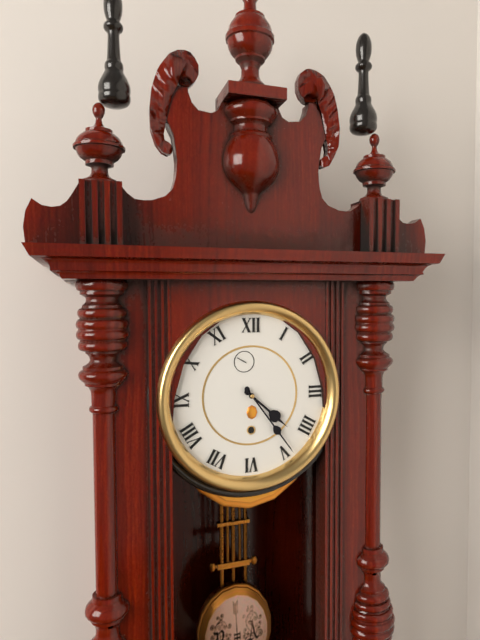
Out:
h=4 m=24
